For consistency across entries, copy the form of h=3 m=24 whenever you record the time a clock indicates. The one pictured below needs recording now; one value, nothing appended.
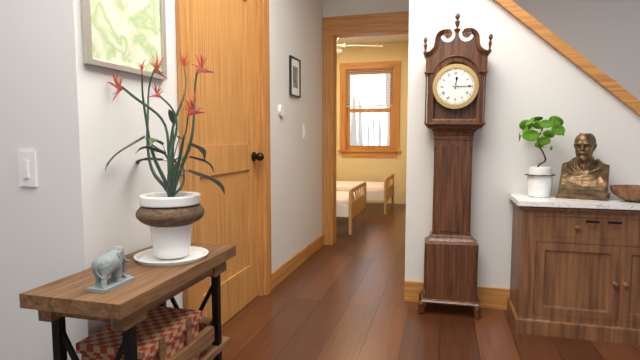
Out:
h=12 m=15
